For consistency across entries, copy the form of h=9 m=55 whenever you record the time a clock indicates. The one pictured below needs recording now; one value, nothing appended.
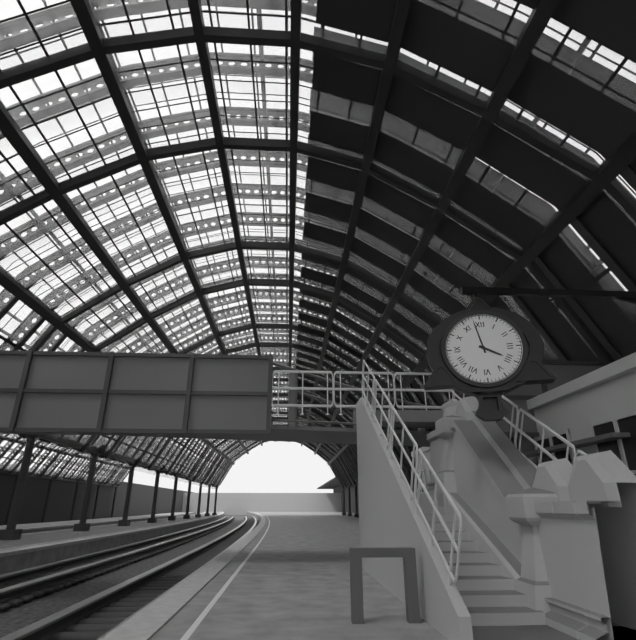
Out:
h=3 m=58
